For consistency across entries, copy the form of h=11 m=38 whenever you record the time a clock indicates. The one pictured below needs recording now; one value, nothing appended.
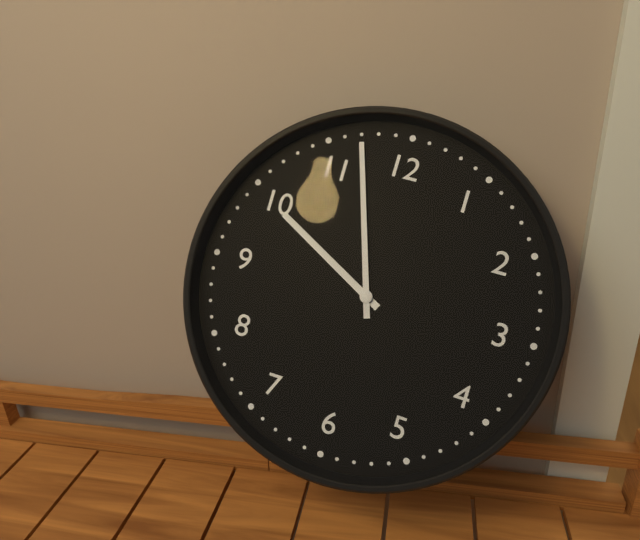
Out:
h=9 m=57
